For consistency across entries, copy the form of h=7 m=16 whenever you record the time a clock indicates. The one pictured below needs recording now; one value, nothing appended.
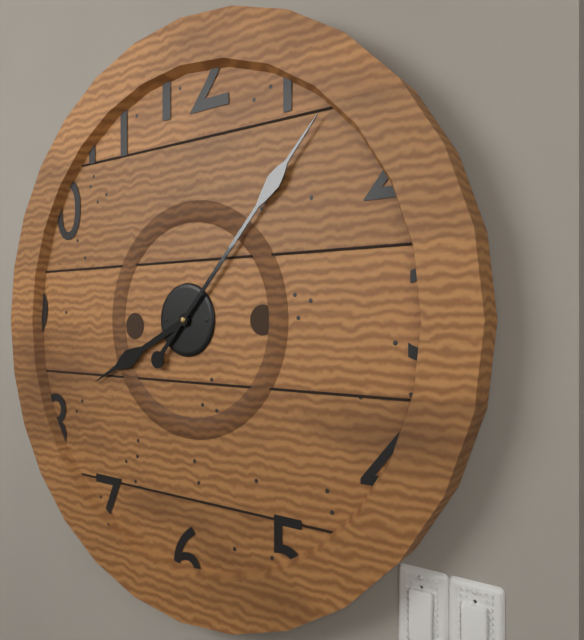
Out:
h=8 m=7
